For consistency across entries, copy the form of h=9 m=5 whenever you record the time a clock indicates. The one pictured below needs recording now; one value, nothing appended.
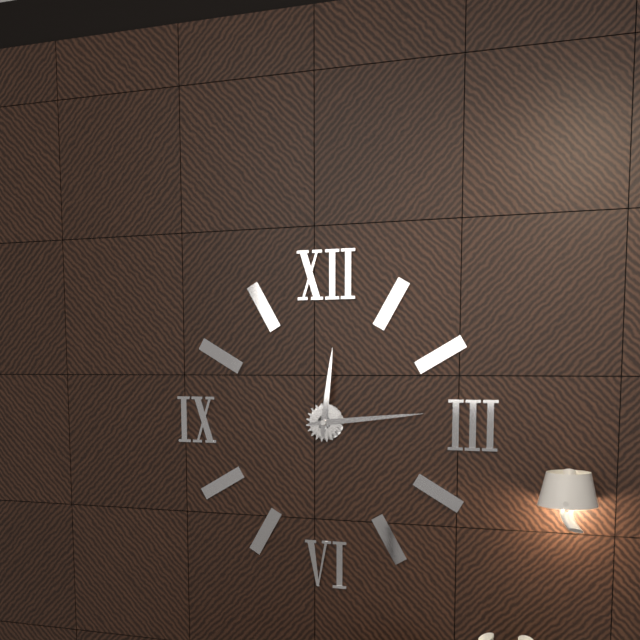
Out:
h=12 m=14
